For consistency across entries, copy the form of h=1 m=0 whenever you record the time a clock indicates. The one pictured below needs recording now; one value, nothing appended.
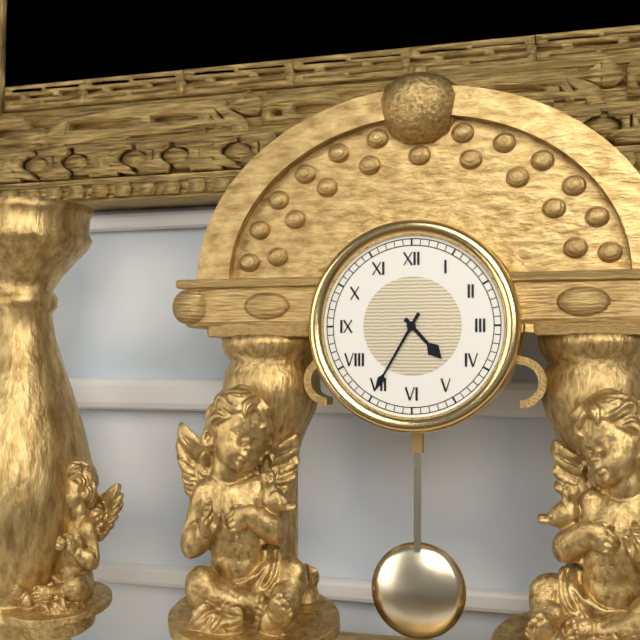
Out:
h=4 m=35
